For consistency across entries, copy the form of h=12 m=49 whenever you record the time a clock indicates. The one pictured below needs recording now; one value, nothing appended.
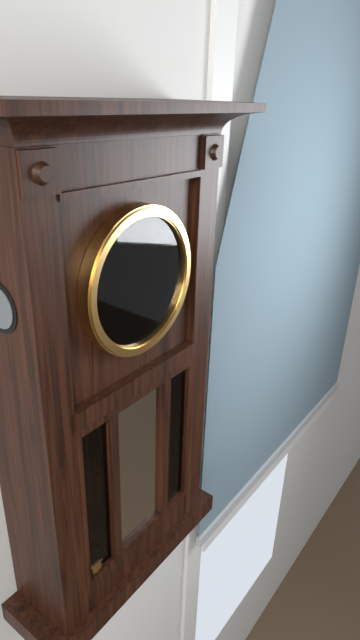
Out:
h=10 m=4
